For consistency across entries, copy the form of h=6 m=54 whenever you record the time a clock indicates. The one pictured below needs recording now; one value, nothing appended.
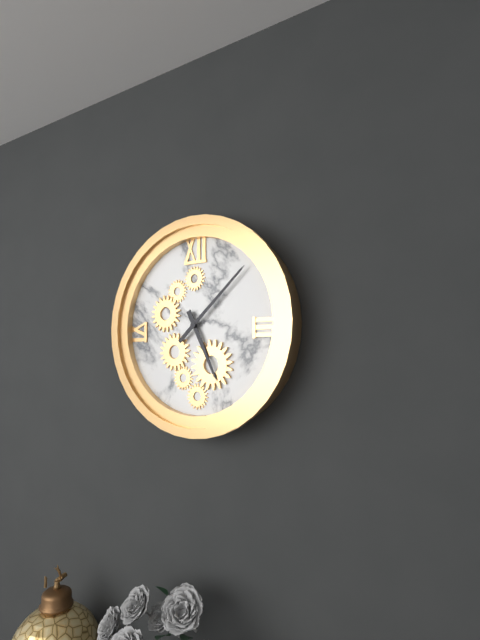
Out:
h=5 m=8
